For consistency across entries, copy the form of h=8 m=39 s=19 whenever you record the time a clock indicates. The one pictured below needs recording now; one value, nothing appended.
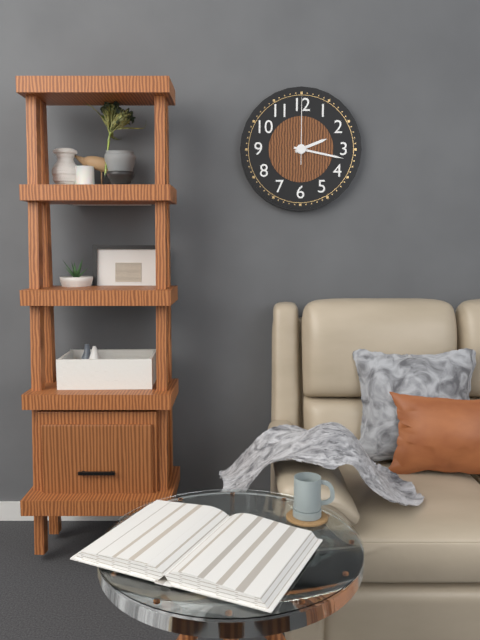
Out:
h=2 m=17 s=0
